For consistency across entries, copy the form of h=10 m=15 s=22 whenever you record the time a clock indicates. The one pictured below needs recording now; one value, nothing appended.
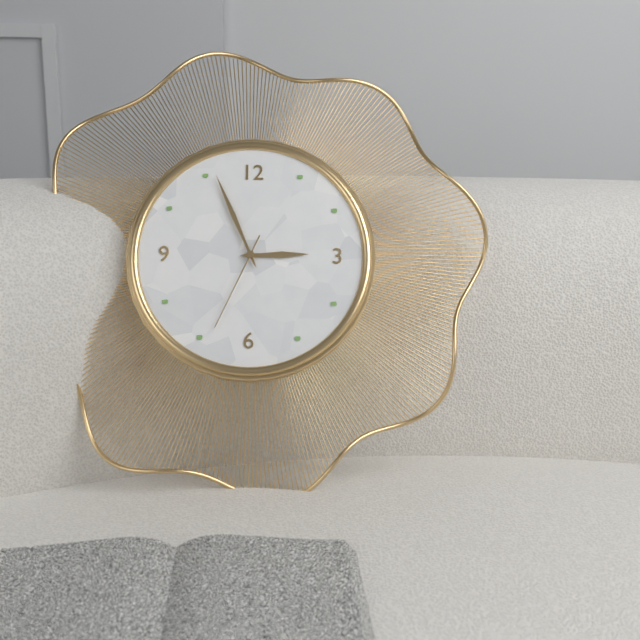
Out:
h=2 m=56 s=34
